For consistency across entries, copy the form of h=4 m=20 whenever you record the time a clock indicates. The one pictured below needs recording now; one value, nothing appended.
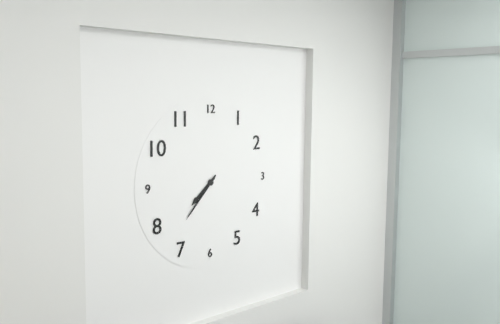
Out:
h=7 m=37
